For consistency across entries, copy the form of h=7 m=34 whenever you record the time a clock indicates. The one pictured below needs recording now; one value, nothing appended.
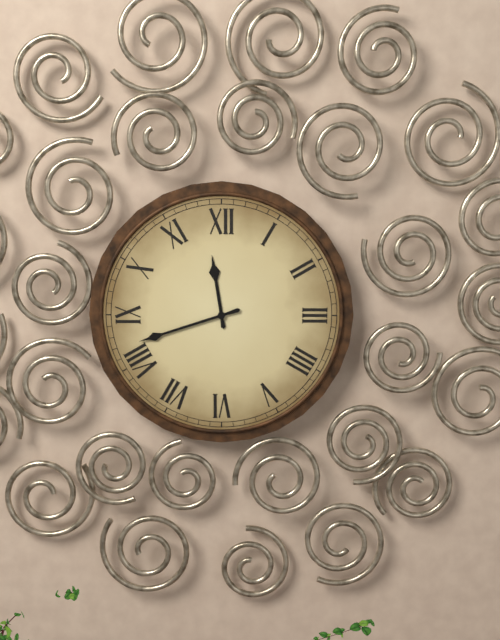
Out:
h=11 m=42
